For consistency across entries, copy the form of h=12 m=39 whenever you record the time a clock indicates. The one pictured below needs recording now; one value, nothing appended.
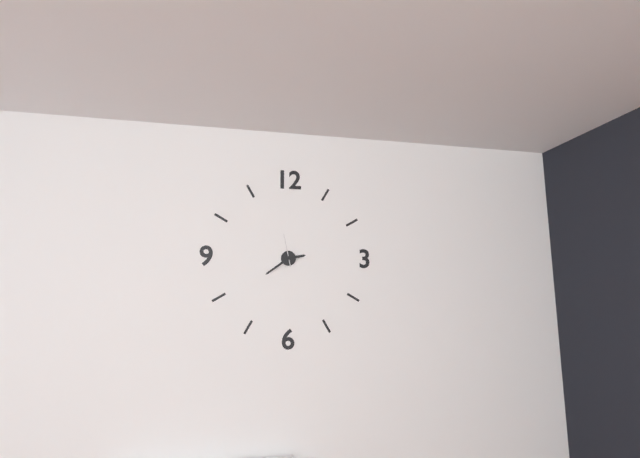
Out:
h=2 m=39
